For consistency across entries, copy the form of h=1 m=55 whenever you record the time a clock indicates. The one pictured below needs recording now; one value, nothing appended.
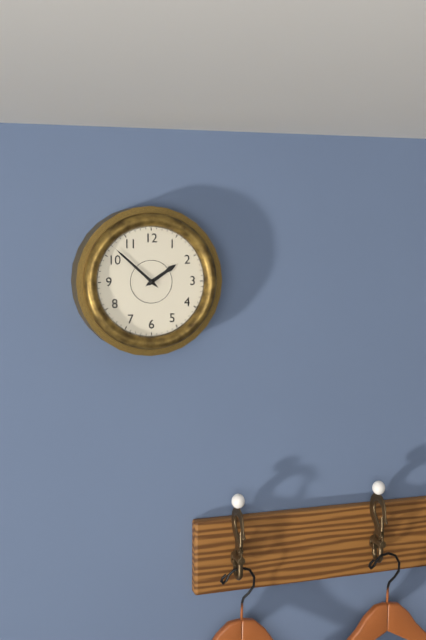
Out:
h=1 m=52
